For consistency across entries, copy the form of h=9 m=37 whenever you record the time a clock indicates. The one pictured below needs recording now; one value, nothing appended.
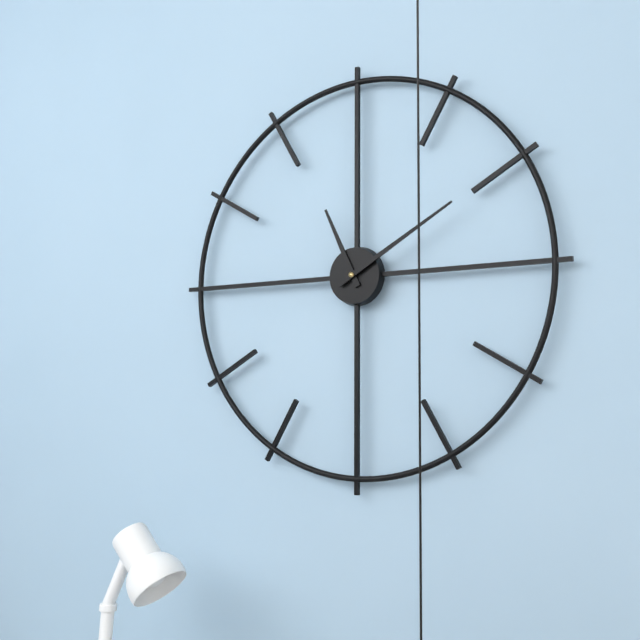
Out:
h=11 m=10
